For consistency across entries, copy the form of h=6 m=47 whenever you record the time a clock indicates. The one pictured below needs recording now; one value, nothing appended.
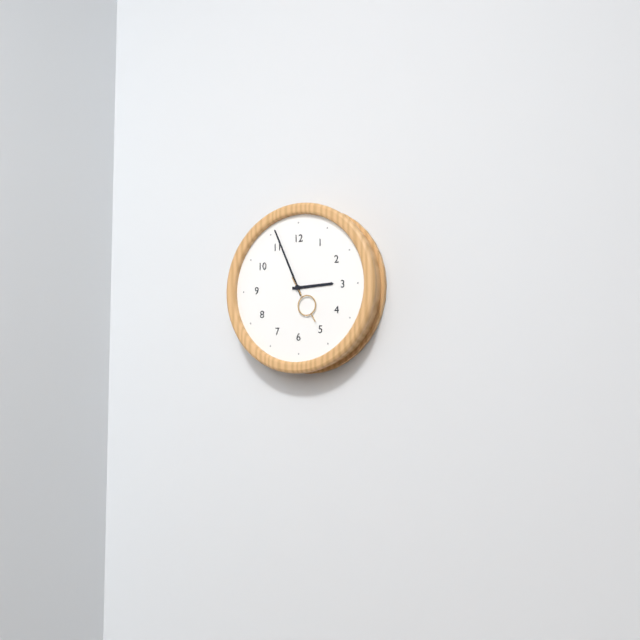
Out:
h=2 m=56
